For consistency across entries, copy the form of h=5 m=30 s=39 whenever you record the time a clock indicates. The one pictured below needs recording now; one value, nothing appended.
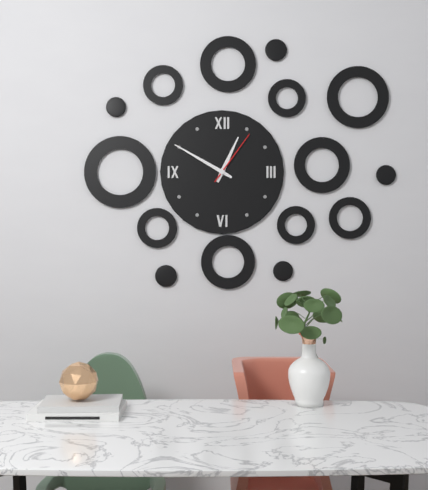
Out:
h=12 m=50 s=6
